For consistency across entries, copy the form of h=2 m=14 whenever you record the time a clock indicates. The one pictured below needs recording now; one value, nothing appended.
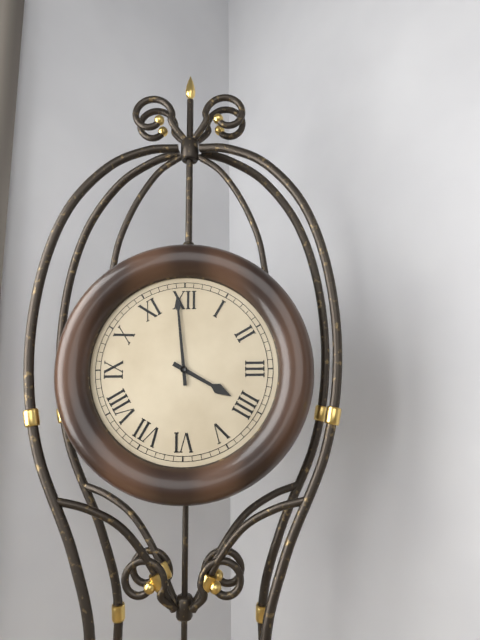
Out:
h=3 m=59
